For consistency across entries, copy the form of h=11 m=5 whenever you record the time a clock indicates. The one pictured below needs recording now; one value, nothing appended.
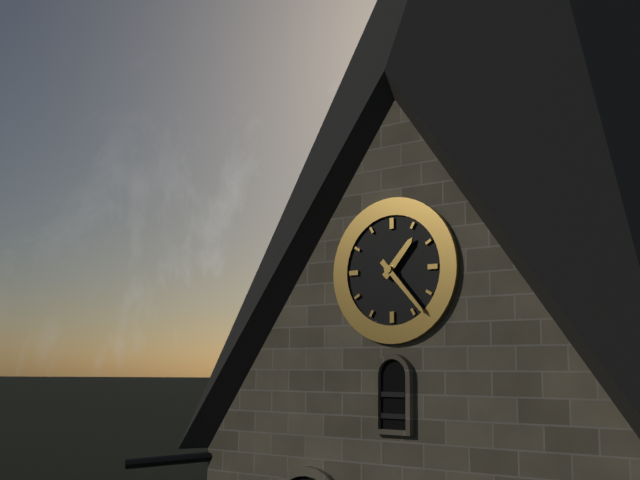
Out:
h=1 m=23
